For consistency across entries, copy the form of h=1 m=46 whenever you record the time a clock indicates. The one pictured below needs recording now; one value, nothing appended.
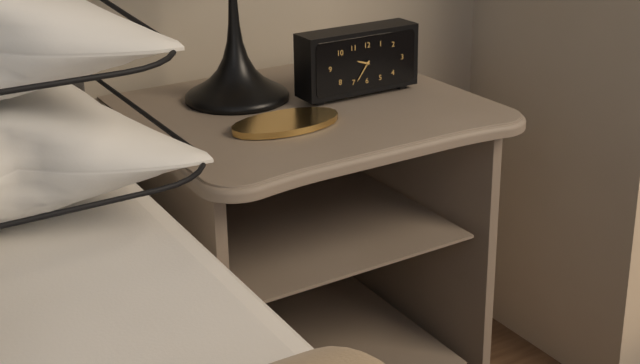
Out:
h=9 m=36
